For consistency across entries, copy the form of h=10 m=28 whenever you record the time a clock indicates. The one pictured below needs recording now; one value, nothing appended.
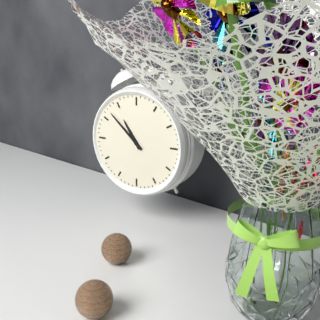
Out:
h=10 m=52
